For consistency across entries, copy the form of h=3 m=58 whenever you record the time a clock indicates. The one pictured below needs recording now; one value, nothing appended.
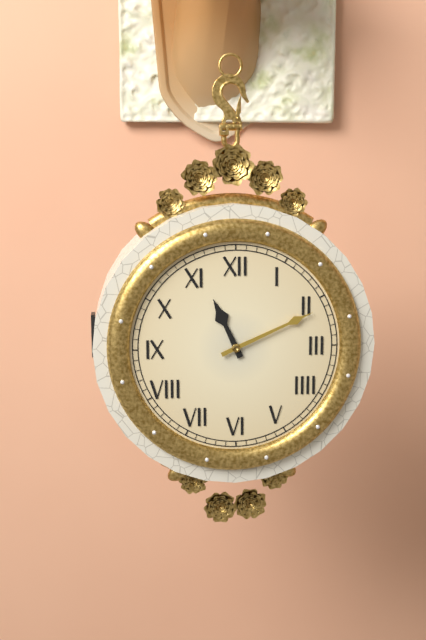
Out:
h=11 m=11
